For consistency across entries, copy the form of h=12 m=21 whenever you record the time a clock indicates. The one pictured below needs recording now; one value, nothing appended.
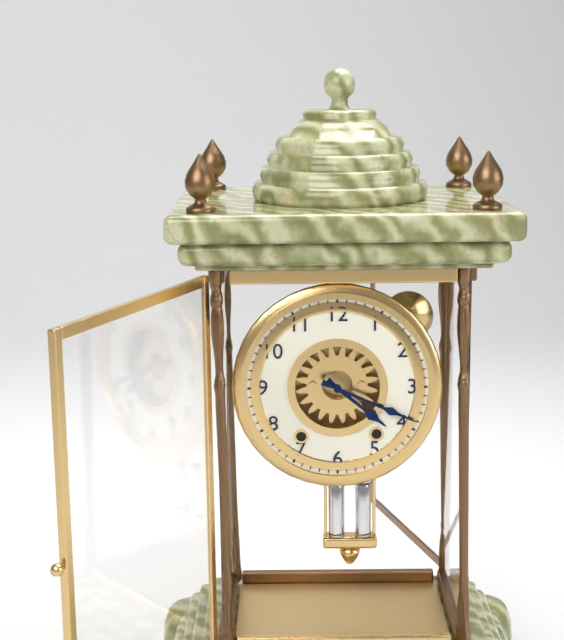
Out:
h=4 m=19
